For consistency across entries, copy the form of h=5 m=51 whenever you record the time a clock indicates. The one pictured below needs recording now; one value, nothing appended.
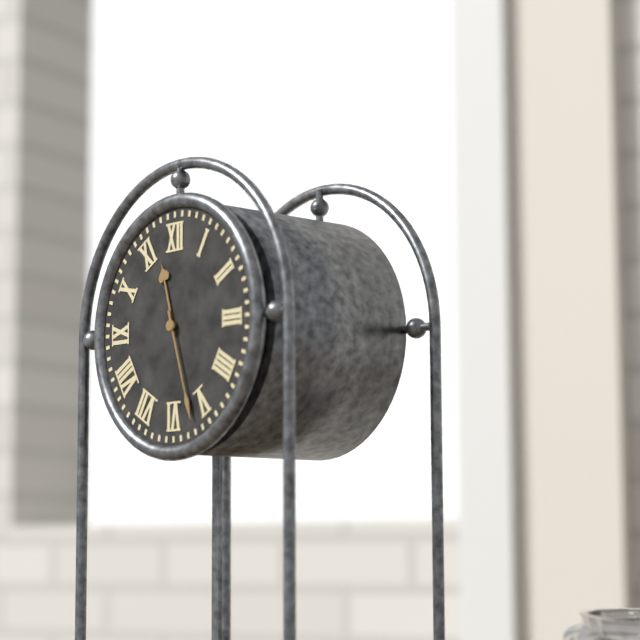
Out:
h=11 m=27
